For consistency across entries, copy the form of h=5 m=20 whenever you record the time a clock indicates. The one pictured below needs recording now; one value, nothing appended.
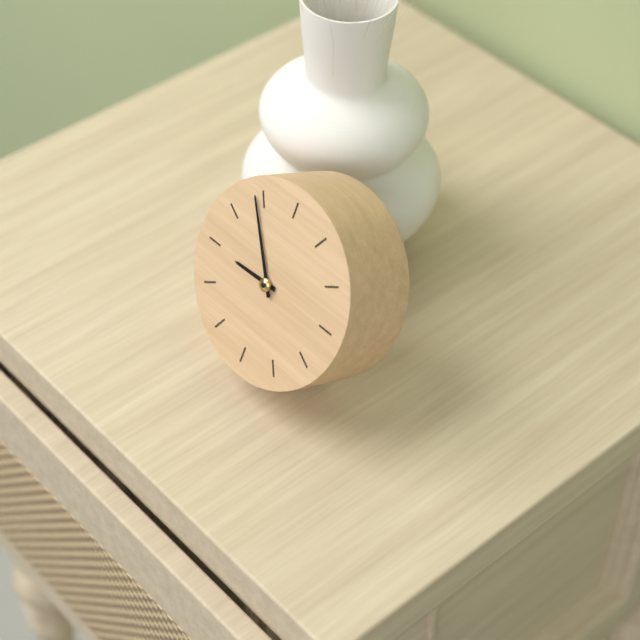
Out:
h=8 m=54
